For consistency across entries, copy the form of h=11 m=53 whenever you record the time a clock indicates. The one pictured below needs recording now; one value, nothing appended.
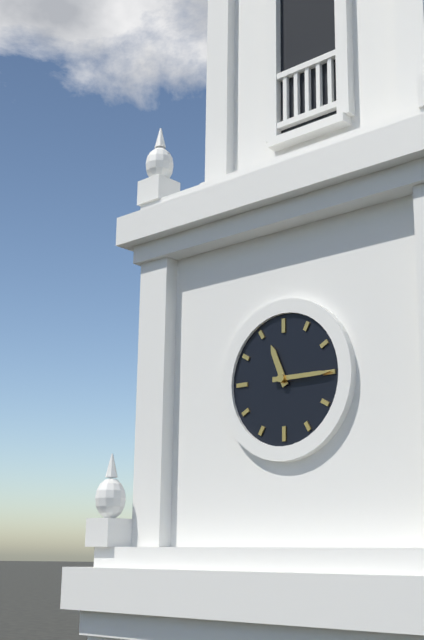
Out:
h=11 m=15
